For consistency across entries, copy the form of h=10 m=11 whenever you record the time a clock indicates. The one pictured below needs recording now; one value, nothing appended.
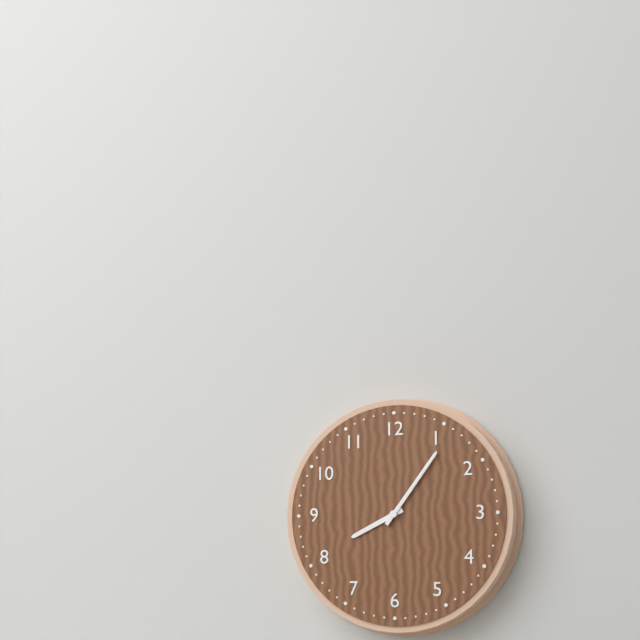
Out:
h=8 m=6
